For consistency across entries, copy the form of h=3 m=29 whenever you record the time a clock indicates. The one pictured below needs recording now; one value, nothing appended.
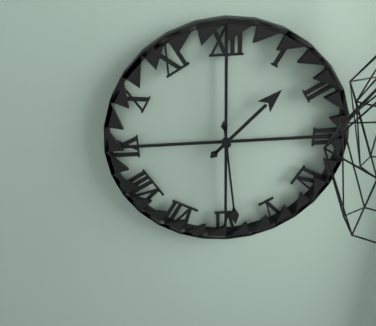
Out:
h=1 m=29
